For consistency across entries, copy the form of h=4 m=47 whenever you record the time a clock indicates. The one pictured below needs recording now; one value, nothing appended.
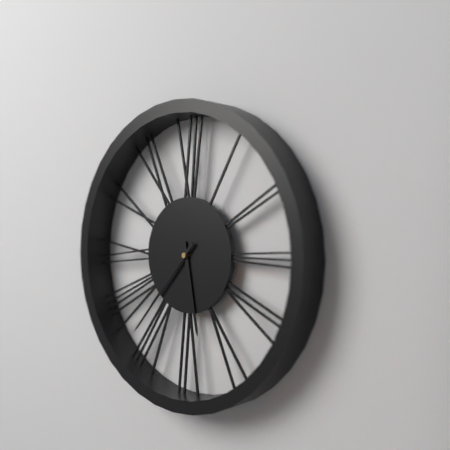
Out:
h=5 m=37
